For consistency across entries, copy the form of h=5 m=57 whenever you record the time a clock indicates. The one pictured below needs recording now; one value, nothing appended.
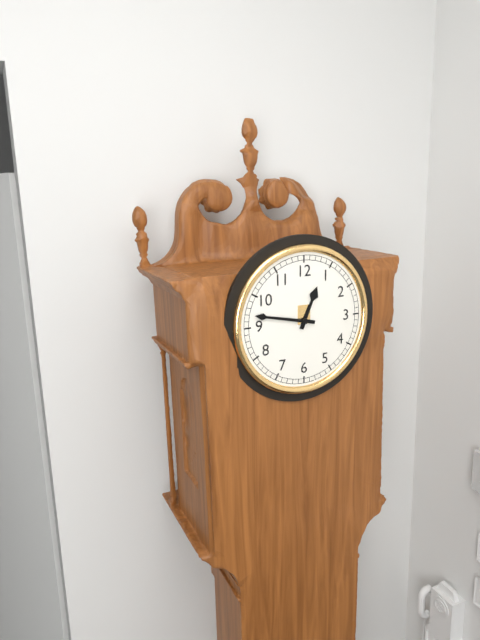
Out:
h=12 m=47
